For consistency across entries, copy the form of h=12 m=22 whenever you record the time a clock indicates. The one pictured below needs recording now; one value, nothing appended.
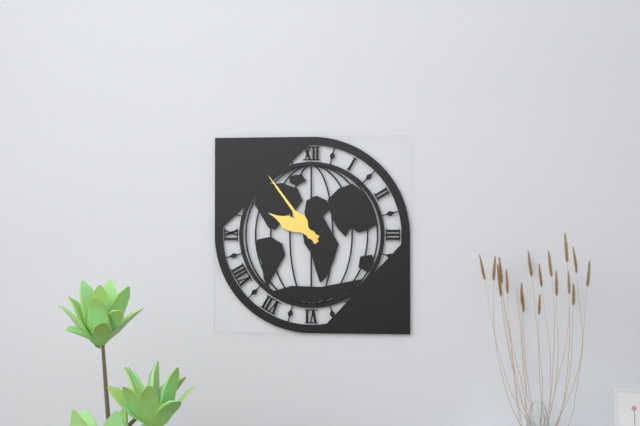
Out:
h=9 m=54
